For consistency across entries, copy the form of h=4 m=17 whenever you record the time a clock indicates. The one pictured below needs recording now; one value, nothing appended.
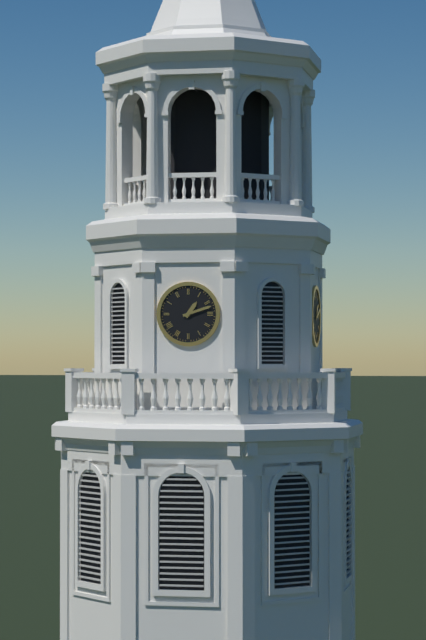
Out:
h=1 m=12
